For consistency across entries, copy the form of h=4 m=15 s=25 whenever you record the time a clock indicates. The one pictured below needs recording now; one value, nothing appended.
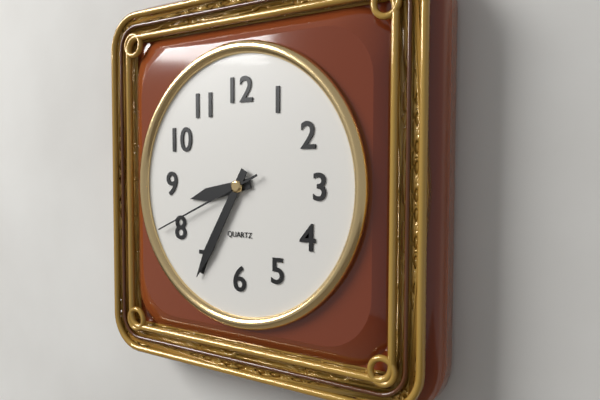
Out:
h=8 m=35 s=41
